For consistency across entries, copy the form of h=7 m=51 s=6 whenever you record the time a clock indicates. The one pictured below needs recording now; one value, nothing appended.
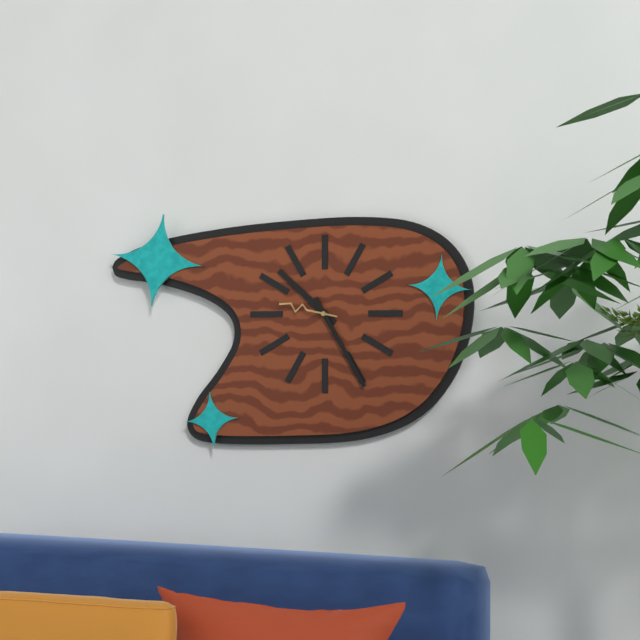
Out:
h=10 m=25 s=47
